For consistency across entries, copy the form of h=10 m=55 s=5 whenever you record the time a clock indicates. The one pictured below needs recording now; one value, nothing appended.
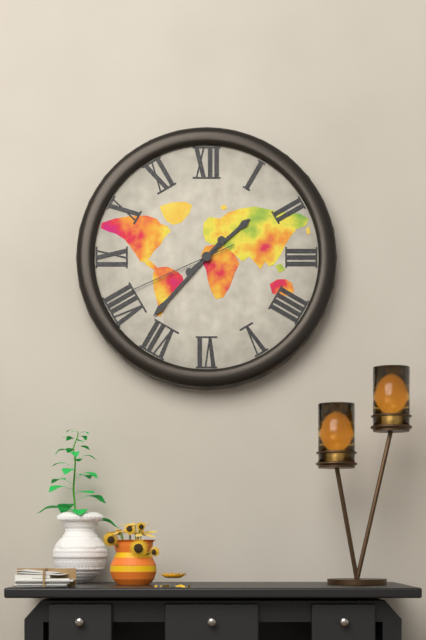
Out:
h=1 m=37 s=41
